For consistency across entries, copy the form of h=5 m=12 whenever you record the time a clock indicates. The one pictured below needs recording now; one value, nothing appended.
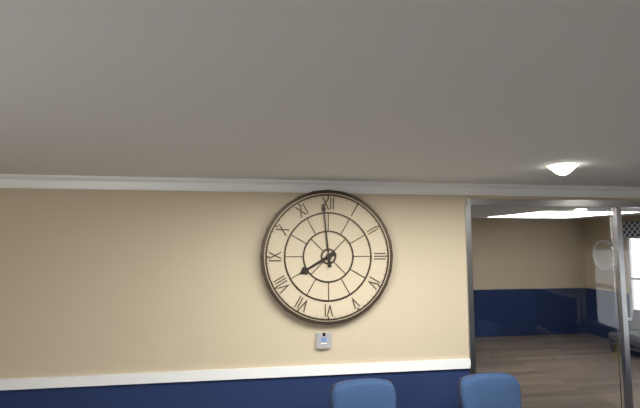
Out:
h=7 m=59
